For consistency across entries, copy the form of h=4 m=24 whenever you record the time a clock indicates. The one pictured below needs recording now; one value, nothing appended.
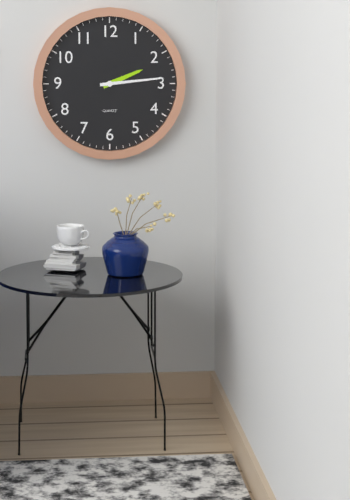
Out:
h=2 m=14
